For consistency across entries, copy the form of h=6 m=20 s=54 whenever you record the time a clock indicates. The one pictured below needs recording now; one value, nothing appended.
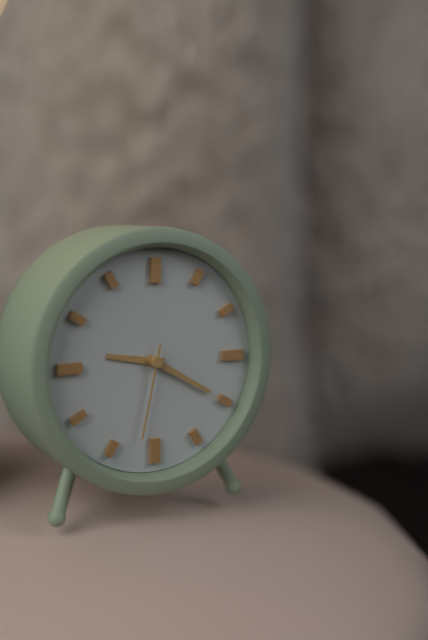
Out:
h=9 m=20 s=32
